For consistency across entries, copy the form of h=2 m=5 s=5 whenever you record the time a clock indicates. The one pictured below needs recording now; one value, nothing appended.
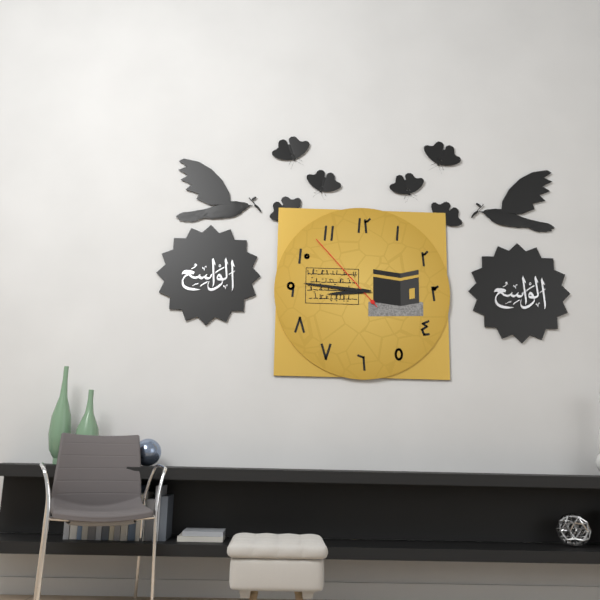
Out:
h=8 m=46 s=53
